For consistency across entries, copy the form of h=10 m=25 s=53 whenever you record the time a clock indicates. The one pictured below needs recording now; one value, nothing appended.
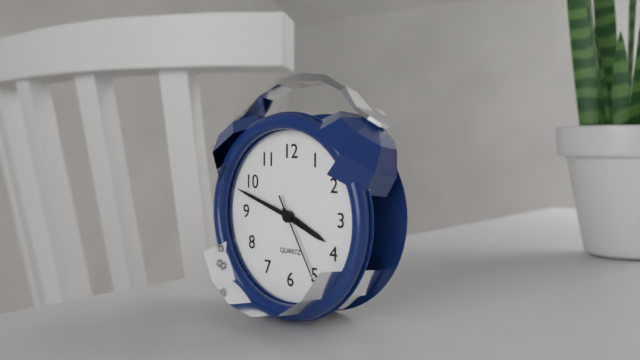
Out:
h=3 m=48 s=25
